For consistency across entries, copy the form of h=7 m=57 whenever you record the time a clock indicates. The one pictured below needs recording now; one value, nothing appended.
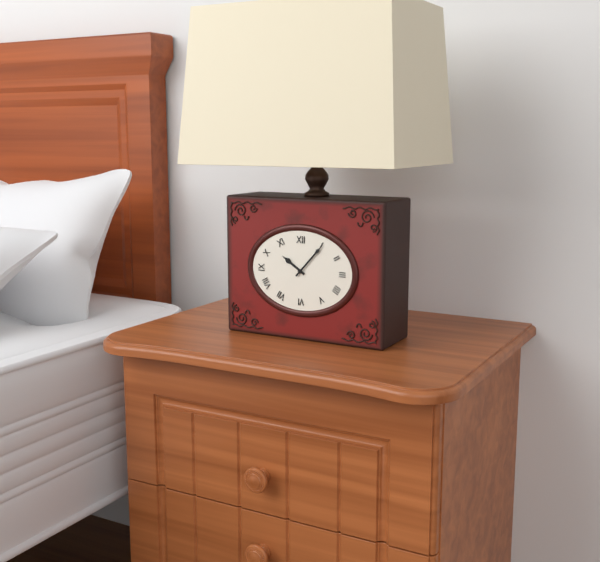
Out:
h=10 m=7
